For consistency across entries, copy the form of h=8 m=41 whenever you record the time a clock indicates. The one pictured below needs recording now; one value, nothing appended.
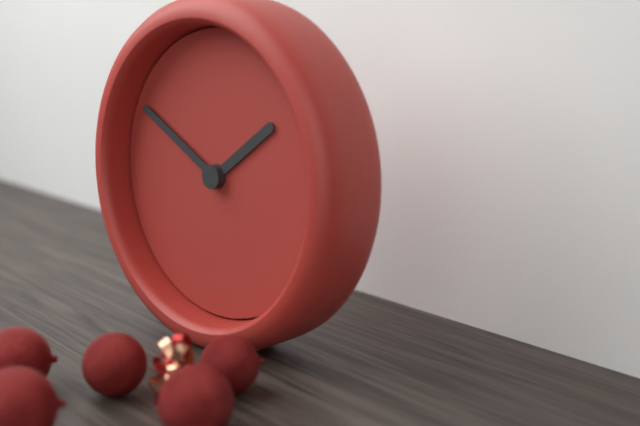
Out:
h=1 m=50
